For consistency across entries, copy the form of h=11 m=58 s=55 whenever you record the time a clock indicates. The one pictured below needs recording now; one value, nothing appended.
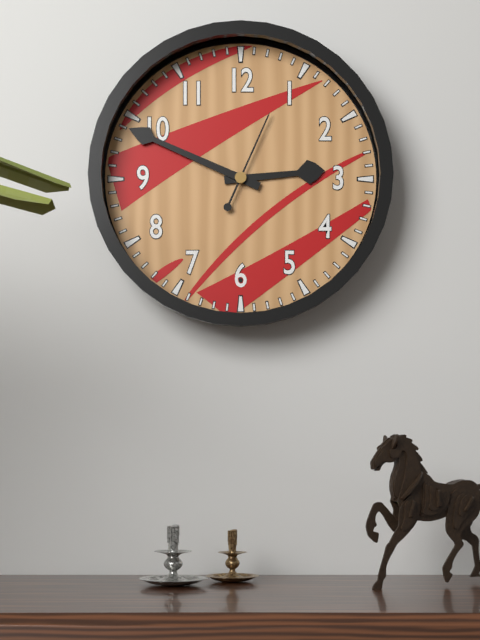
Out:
h=2 m=49 s=4
